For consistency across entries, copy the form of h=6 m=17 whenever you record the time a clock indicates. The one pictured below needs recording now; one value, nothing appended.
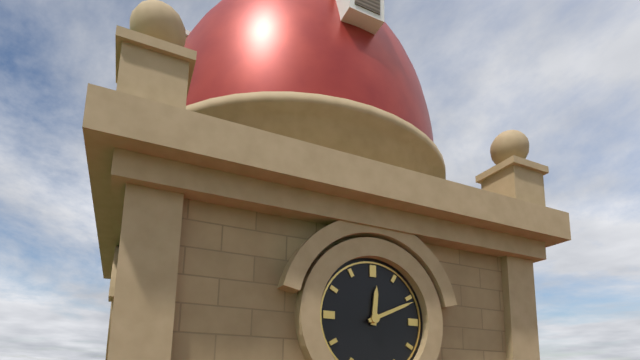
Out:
h=12 m=11
